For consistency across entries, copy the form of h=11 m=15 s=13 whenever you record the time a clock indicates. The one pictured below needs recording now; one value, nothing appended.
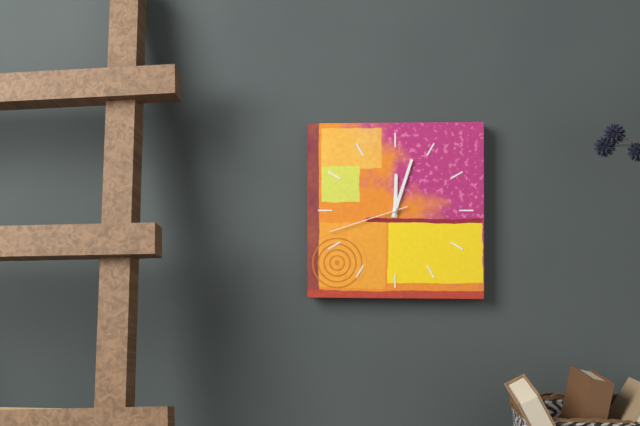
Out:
h=12 m=3 s=42
